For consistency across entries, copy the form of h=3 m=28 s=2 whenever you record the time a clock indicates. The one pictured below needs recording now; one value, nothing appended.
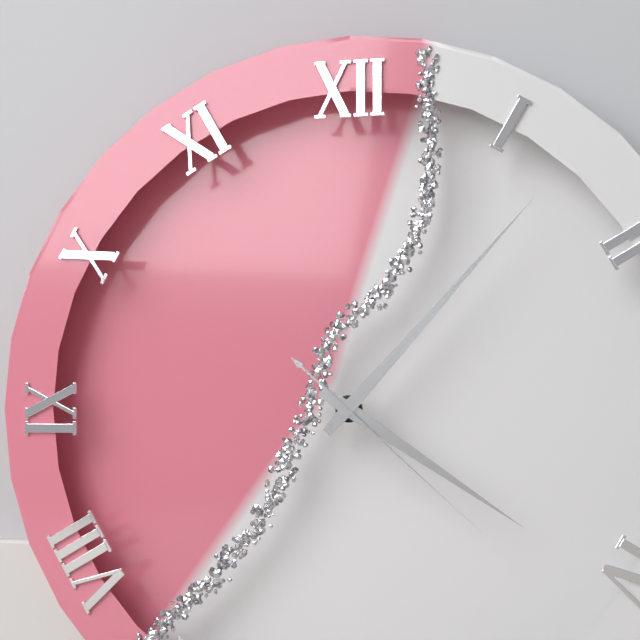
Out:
h=4 m=7 s=22
